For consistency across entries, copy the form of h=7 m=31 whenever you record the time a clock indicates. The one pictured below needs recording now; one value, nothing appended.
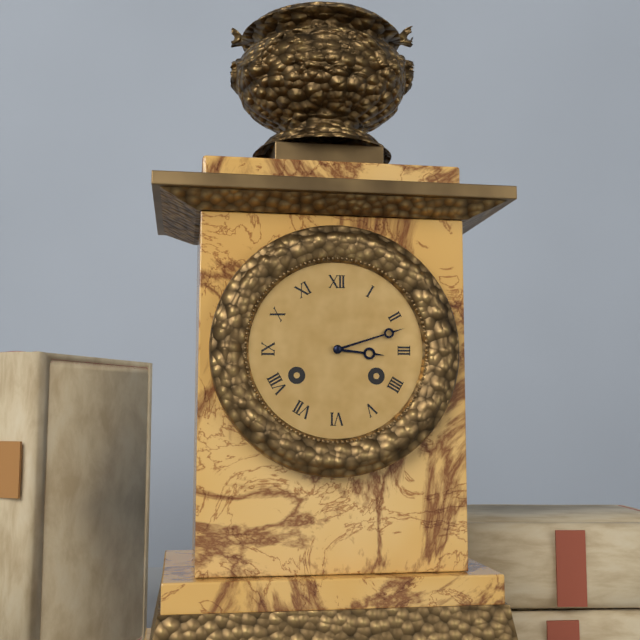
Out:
h=3 m=12
